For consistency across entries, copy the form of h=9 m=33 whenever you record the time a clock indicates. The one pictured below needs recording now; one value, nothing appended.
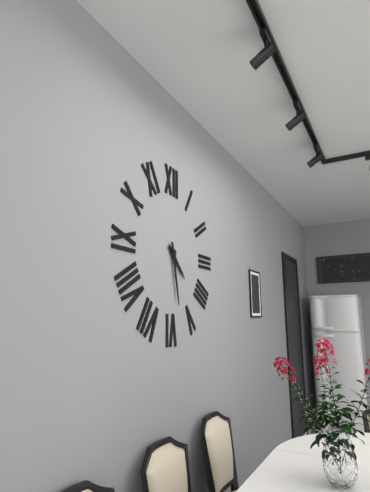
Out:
h=4 m=28
